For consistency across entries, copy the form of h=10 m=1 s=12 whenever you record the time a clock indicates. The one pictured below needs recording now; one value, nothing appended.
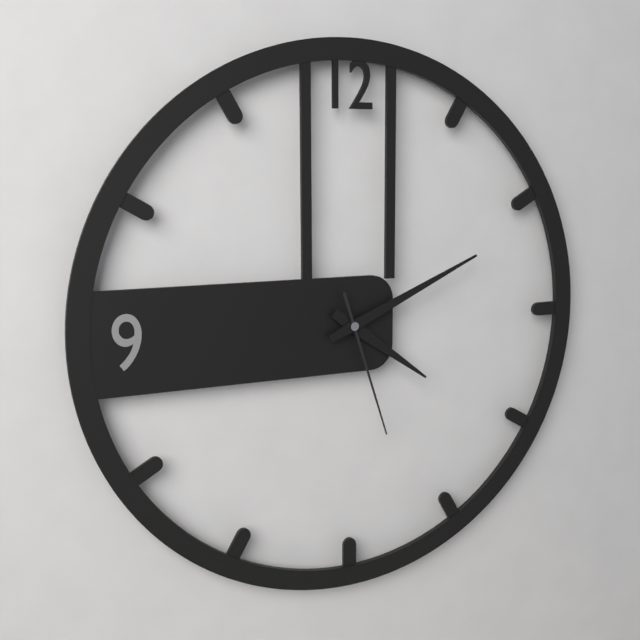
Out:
h=4 m=11 s=27
